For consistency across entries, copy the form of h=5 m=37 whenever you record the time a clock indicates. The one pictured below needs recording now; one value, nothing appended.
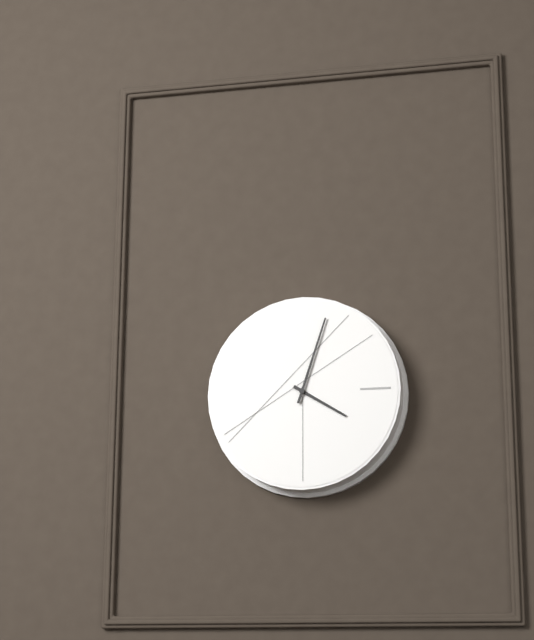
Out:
h=4 m=3
